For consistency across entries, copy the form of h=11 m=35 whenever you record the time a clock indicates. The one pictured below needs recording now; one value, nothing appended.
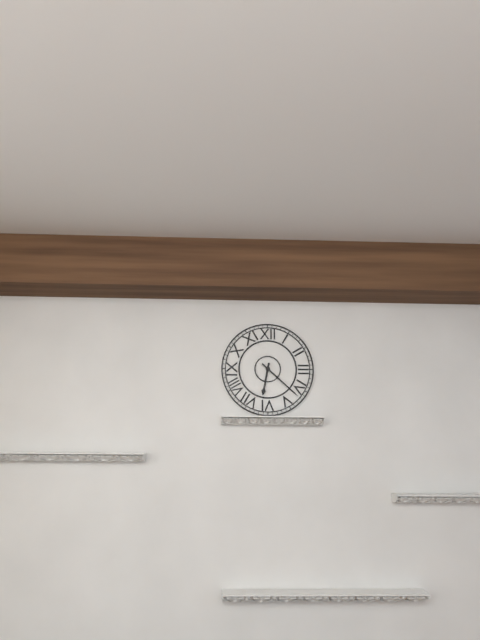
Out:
h=6 m=22
